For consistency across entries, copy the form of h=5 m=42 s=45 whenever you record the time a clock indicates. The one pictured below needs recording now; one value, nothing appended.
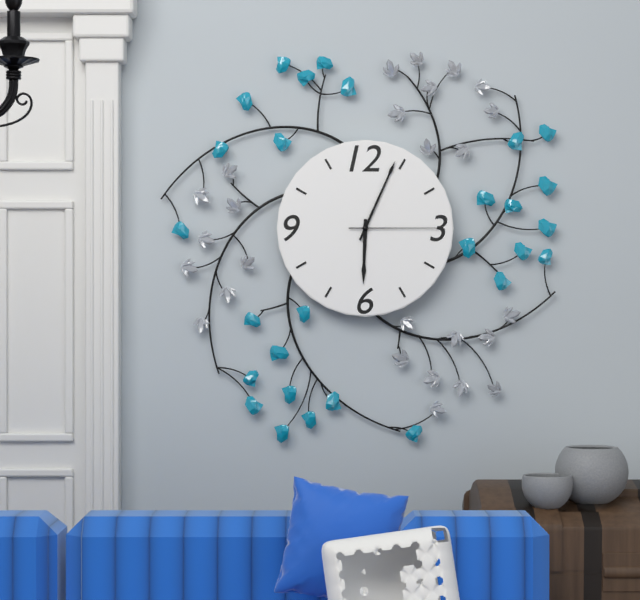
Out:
h=6 m=4 s=15
